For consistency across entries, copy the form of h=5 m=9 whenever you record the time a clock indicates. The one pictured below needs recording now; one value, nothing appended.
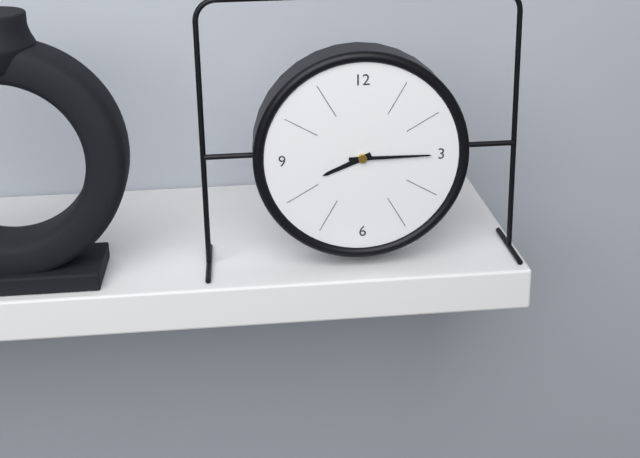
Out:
h=8 m=15
